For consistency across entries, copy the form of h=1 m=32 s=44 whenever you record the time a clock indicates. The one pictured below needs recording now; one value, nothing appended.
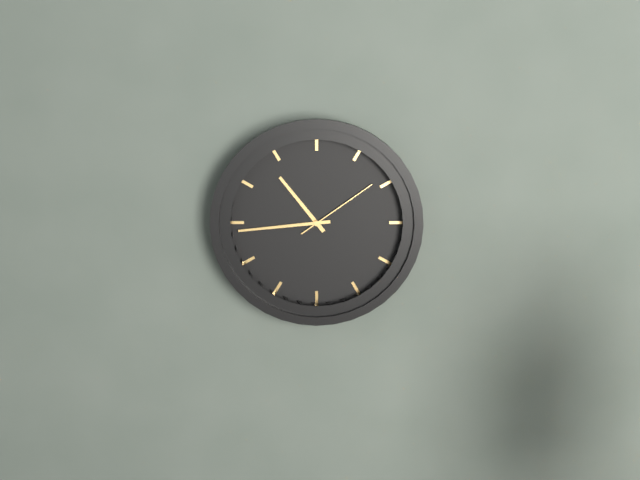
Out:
h=10 m=44 s=9
